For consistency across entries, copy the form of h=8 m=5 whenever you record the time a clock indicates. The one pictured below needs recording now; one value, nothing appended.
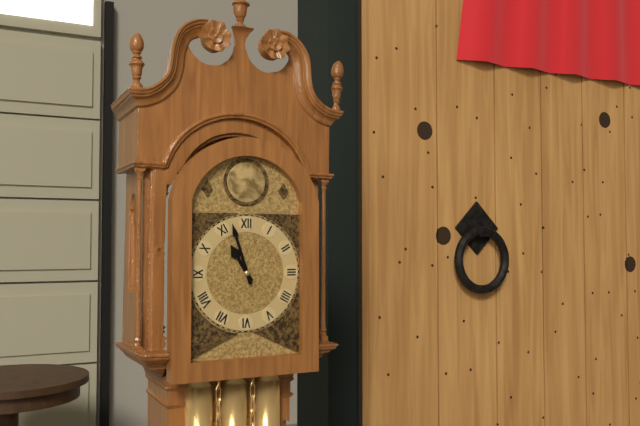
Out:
h=10 m=57
